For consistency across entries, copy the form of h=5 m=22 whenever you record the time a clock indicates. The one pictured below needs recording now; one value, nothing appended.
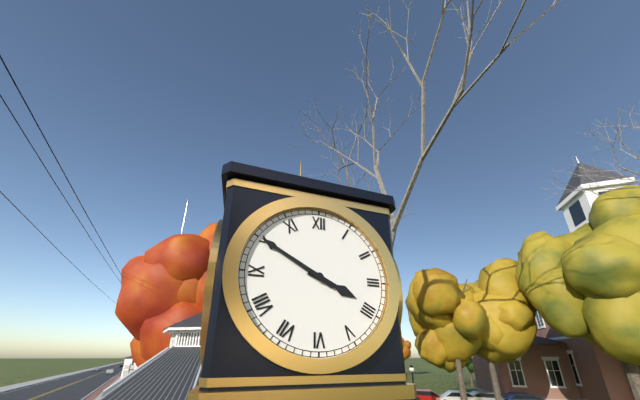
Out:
h=3 m=50
